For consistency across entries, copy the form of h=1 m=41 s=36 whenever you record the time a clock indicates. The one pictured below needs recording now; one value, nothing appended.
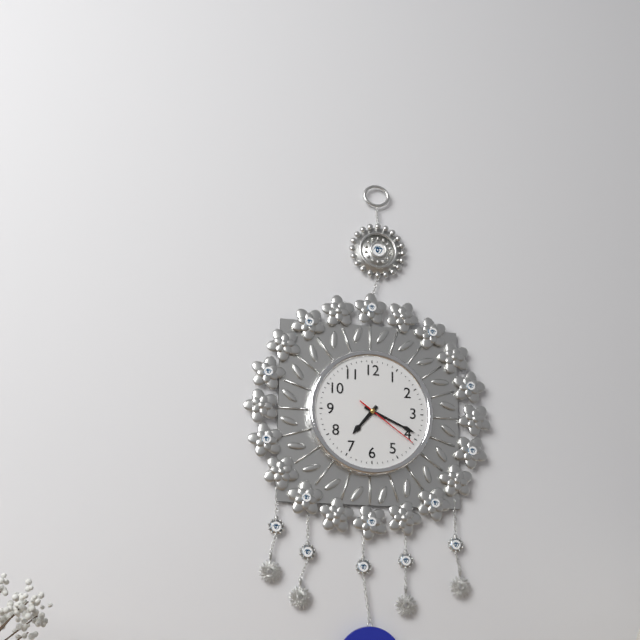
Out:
h=7 m=19 s=21
